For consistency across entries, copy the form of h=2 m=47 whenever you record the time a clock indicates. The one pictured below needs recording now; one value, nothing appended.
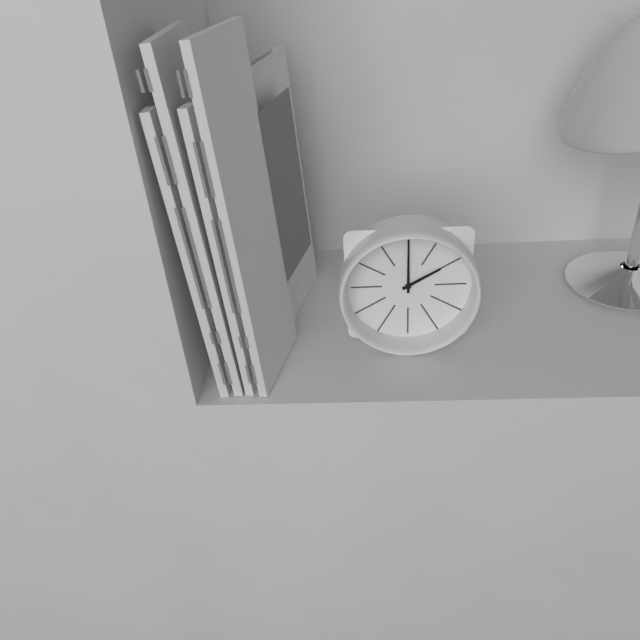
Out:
h=2 m=0
